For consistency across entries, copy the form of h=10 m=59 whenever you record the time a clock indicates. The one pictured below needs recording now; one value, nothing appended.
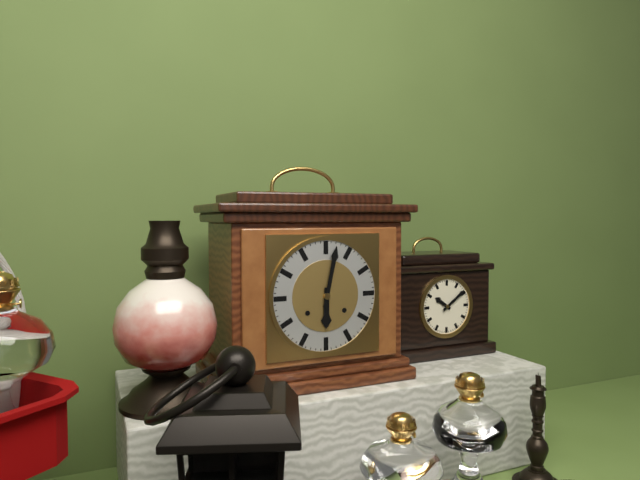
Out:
h=6 m=2
